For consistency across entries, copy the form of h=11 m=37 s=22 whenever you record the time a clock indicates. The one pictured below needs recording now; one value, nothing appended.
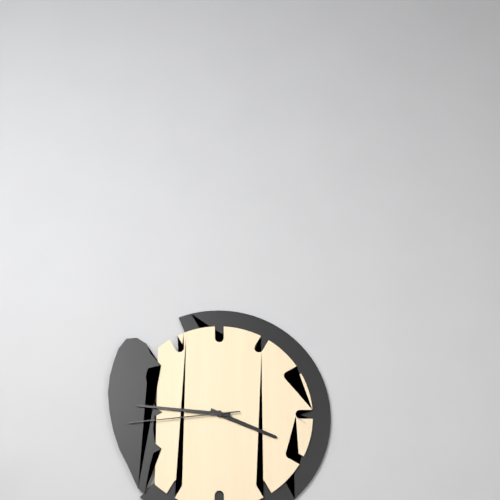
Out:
h=3 m=46 s=44
